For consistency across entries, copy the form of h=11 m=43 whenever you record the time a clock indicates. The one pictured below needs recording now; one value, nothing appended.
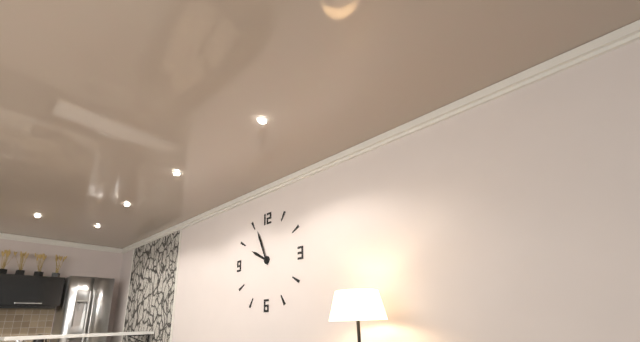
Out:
h=9 m=56
